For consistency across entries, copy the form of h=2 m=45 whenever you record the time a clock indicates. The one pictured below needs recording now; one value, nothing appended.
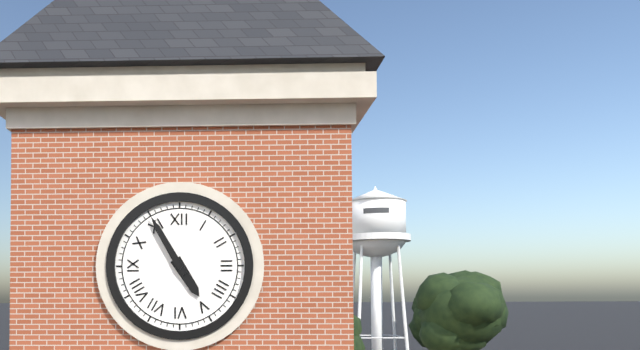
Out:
h=4 m=55
